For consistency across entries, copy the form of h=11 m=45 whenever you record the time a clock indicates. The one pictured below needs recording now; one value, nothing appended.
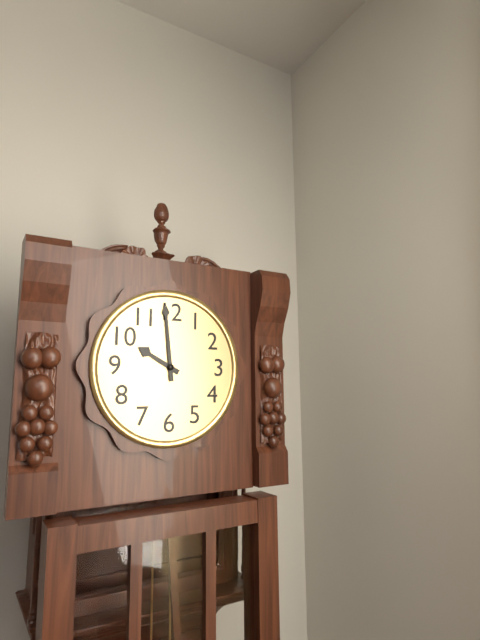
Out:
h=9 m=59
